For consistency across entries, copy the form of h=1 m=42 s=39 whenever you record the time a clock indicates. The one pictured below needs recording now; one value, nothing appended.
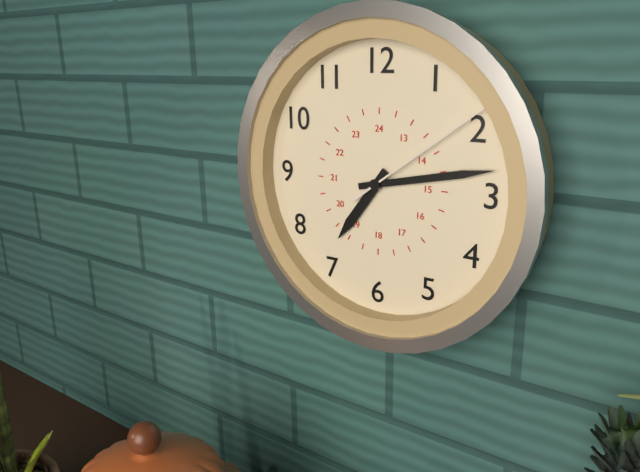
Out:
h=7 m=13 s=9
